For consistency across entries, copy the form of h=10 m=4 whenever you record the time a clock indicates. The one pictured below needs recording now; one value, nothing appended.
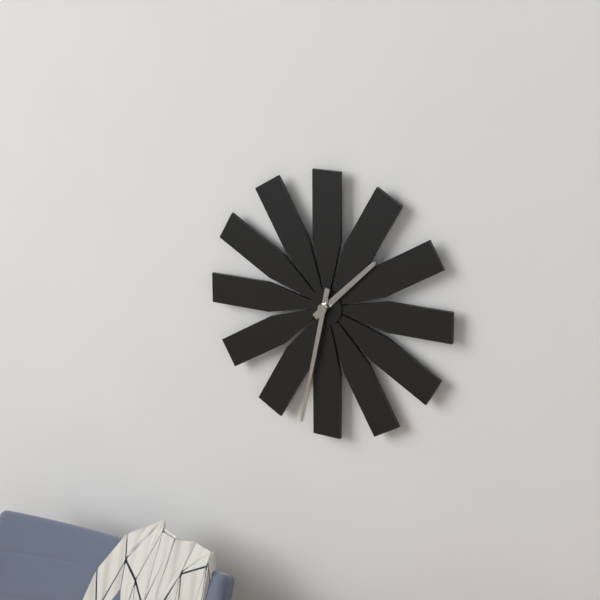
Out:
h=1 m=32
